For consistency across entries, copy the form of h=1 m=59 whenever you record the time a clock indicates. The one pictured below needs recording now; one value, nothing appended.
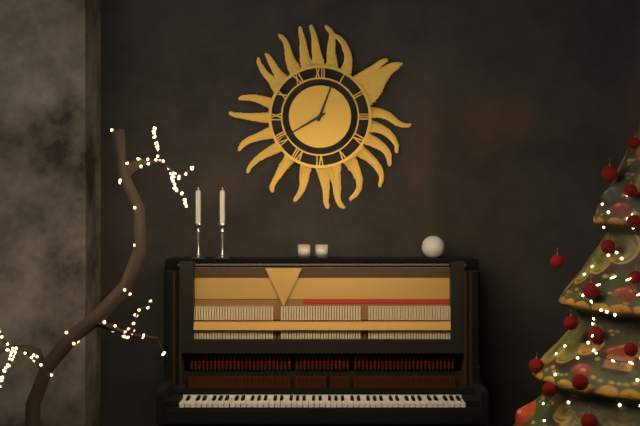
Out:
h=12 m=40
